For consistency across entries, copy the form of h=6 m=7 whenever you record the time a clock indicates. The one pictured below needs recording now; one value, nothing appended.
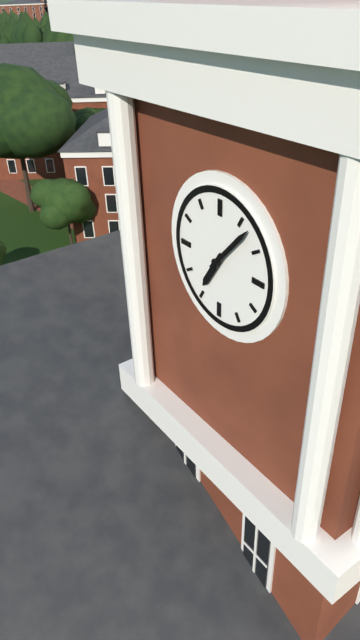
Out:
h=7 m=7
